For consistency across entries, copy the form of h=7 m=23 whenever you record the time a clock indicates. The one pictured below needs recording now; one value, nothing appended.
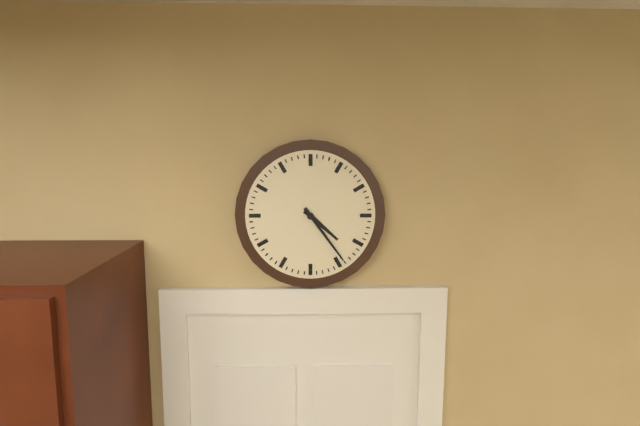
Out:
h=4 m=24
